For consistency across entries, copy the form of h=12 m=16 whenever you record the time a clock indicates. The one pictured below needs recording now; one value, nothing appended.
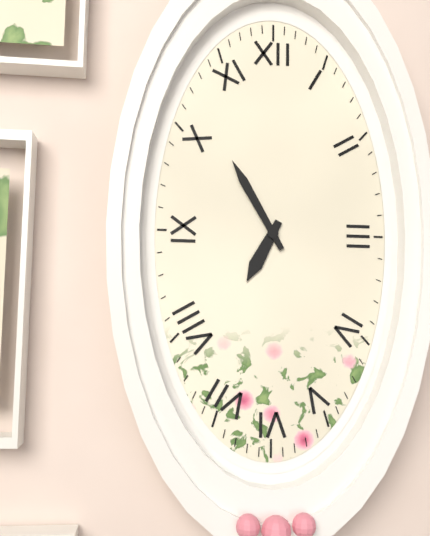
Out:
h=6 m=55
